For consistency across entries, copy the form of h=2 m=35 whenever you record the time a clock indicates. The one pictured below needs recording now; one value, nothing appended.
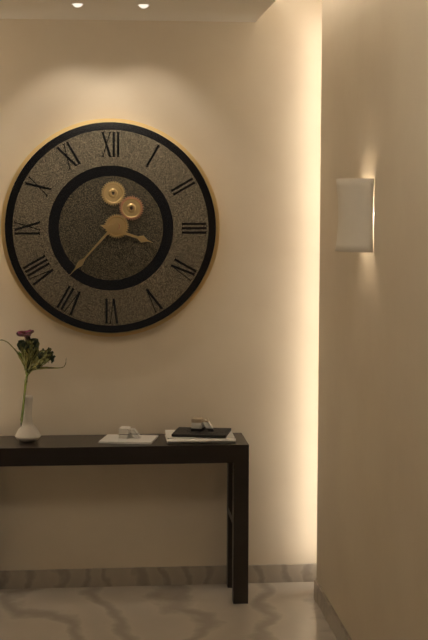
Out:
h=3 m=37
